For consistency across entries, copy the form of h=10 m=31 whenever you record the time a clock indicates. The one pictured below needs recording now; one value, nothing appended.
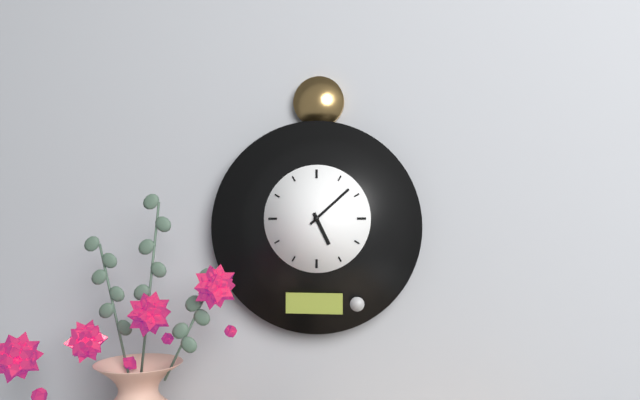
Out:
h=5 m=8
